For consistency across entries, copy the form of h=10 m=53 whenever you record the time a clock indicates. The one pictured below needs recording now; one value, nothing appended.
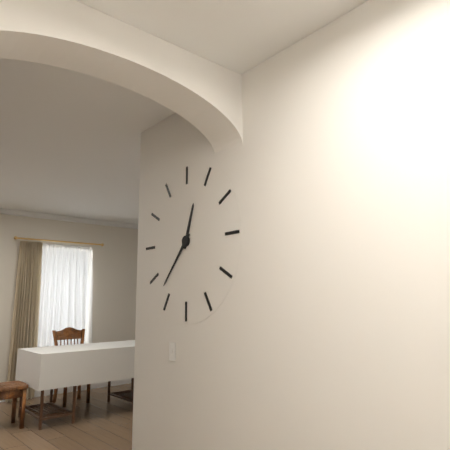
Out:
h=12 m=37
